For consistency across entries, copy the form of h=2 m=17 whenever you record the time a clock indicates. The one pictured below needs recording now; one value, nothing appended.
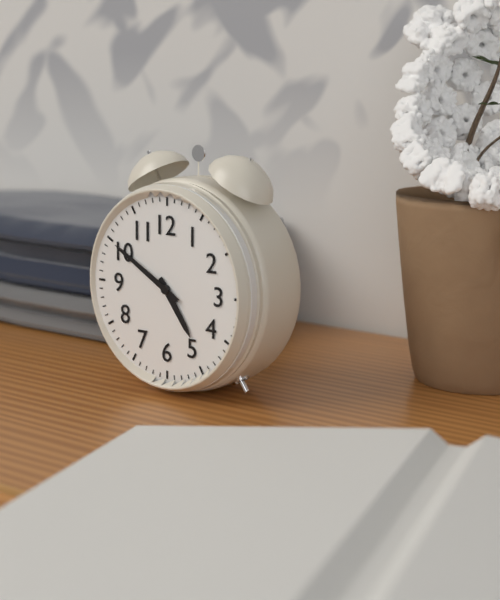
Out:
h=4 m=50
